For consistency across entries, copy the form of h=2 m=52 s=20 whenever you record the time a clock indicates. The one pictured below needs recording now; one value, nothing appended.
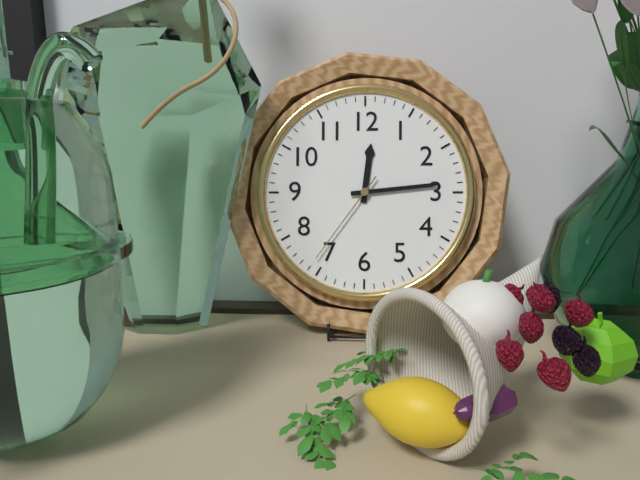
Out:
h=12 m=14 s=36
